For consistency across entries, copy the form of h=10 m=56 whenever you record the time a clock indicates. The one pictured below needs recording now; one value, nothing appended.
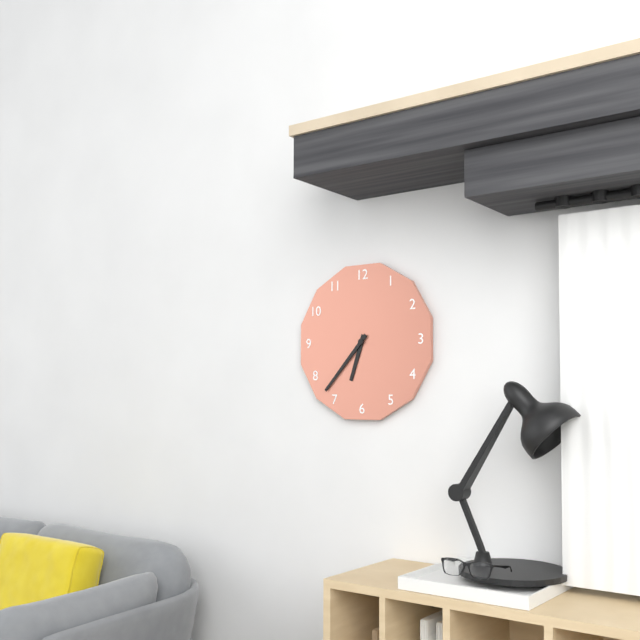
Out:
h=6 m=37
